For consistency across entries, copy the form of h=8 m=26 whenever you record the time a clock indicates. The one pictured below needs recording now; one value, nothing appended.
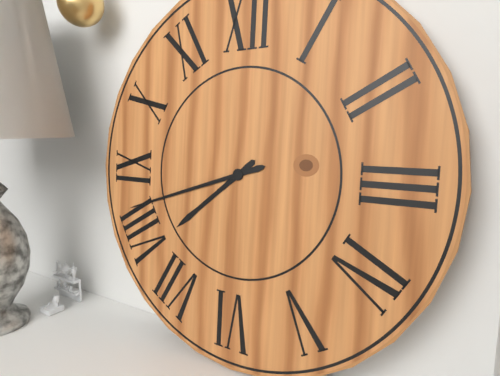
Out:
h=7 m=42
